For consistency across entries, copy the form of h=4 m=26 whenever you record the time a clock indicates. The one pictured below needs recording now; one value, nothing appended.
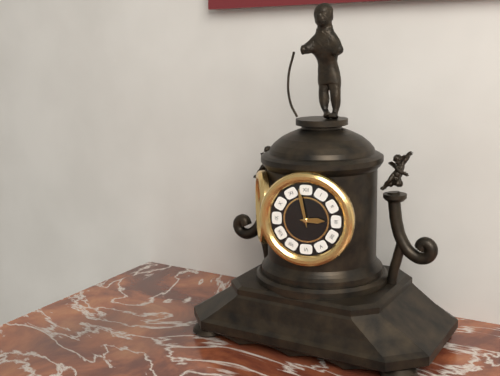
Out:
h=2 m=58
